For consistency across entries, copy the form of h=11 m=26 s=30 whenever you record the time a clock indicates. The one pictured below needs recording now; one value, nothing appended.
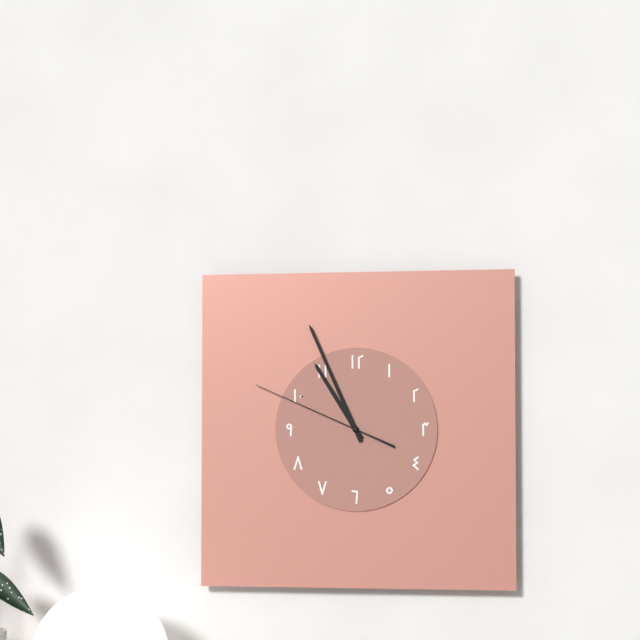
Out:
h=10 m=56 s=49
